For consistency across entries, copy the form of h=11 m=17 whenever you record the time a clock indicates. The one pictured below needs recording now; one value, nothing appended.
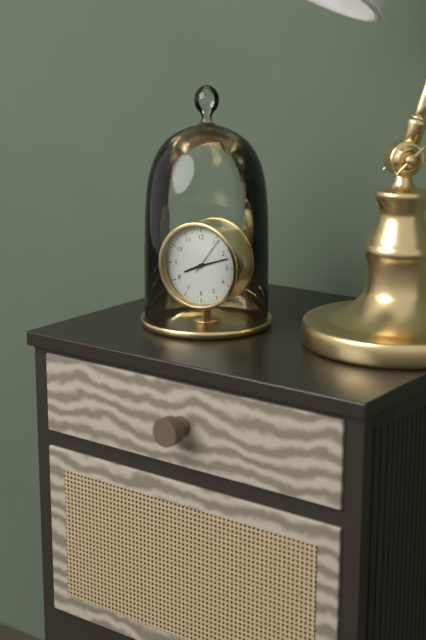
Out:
h=8 m=12
